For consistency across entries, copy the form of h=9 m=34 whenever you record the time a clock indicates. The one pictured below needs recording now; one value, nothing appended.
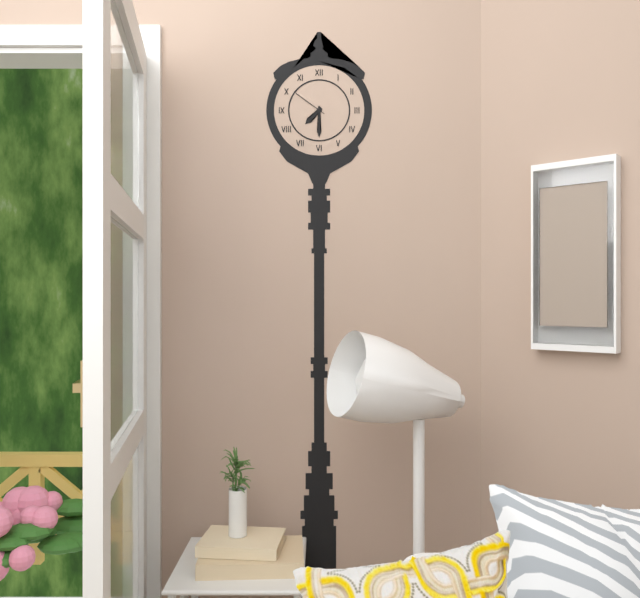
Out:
h=7 m=30
